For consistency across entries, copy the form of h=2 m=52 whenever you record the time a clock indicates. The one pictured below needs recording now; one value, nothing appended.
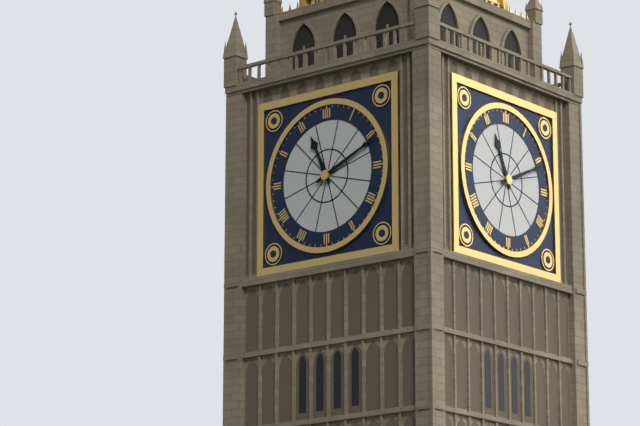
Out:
h=11 m=11
